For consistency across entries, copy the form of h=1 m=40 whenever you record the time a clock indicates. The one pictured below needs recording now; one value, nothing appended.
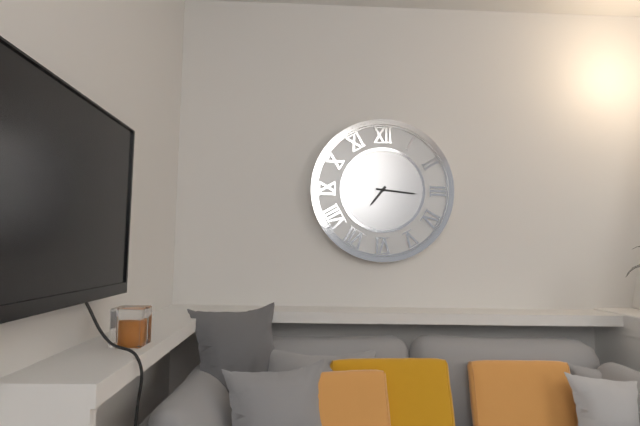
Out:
h=7 m=16
